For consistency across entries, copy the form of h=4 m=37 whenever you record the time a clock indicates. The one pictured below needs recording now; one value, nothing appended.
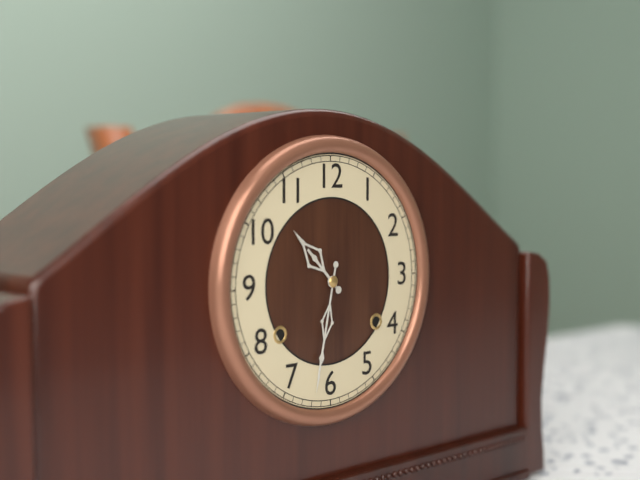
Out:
h=10 m=32
